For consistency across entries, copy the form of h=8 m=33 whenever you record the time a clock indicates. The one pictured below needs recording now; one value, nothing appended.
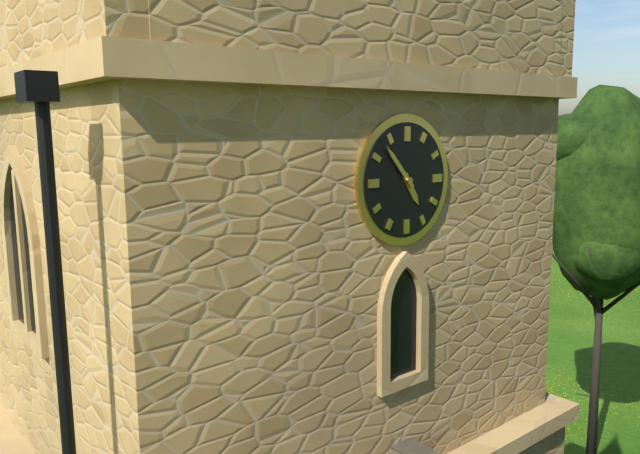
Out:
h=4 m=53
